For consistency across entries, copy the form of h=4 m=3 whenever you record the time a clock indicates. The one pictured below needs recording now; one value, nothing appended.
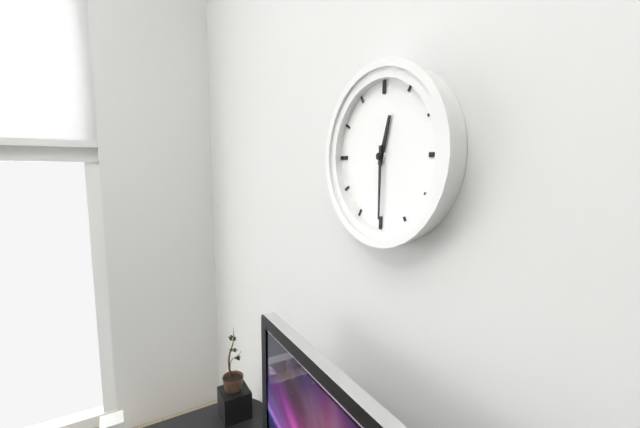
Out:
h=12 m=30
